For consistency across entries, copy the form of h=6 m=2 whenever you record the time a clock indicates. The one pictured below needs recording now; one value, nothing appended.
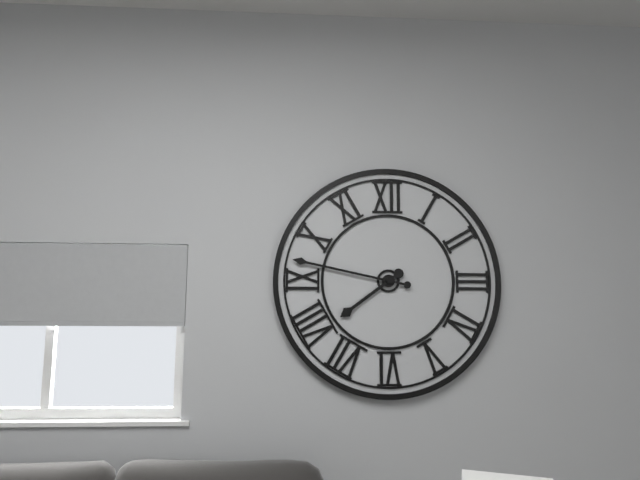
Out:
h=7 m=47
